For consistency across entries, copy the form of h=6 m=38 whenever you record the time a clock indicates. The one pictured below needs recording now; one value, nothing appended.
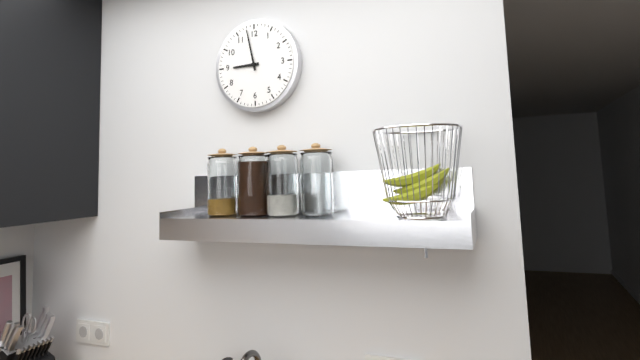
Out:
h=8 m=58
